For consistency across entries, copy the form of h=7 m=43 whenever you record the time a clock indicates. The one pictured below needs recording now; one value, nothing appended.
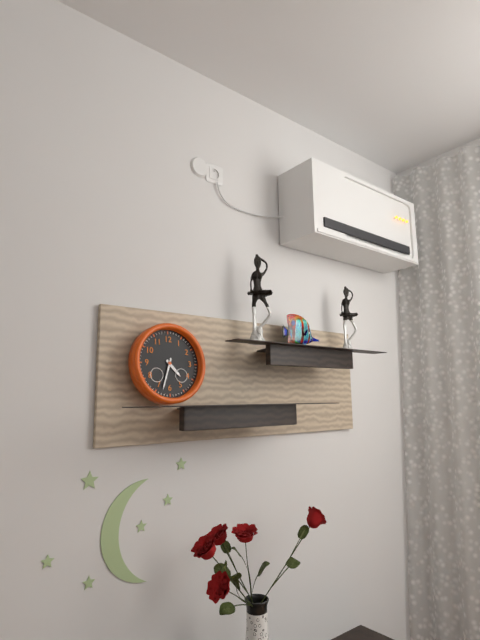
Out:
h=4 m=33
